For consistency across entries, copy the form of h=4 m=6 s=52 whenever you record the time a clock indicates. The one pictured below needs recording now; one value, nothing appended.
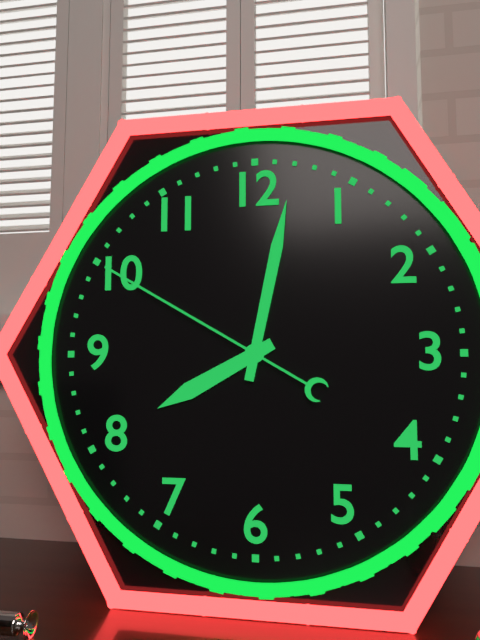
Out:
h=8 m=2 s=50
